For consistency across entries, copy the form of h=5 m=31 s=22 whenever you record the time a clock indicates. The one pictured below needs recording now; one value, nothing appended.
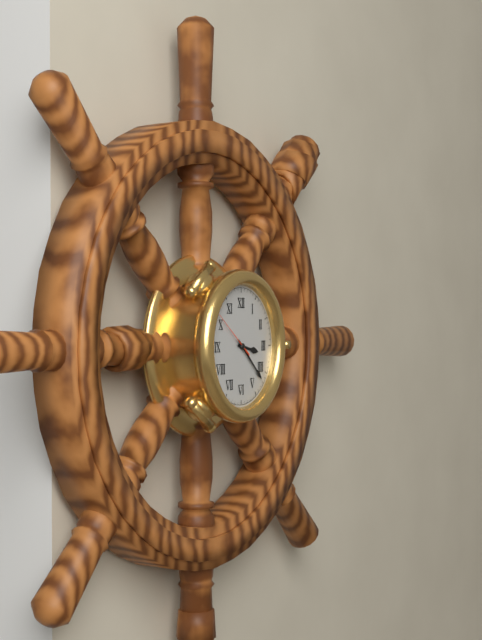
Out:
h=3 m=22 s=51
